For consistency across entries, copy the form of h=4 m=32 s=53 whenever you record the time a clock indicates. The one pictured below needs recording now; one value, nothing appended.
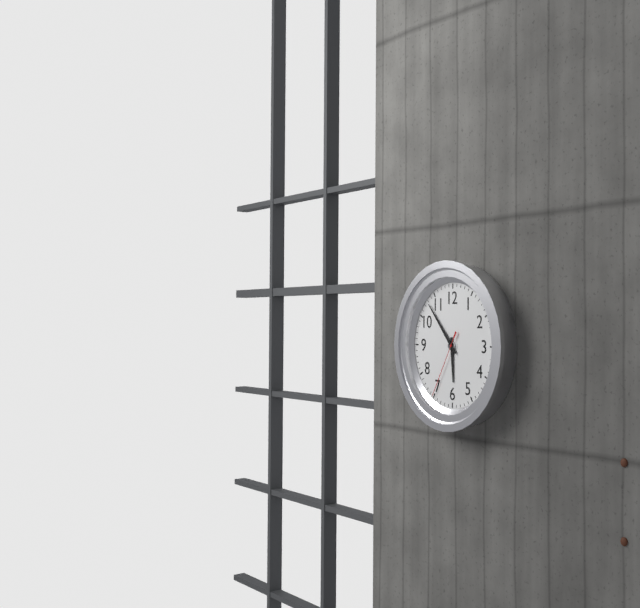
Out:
h=5 m=53 s=35
